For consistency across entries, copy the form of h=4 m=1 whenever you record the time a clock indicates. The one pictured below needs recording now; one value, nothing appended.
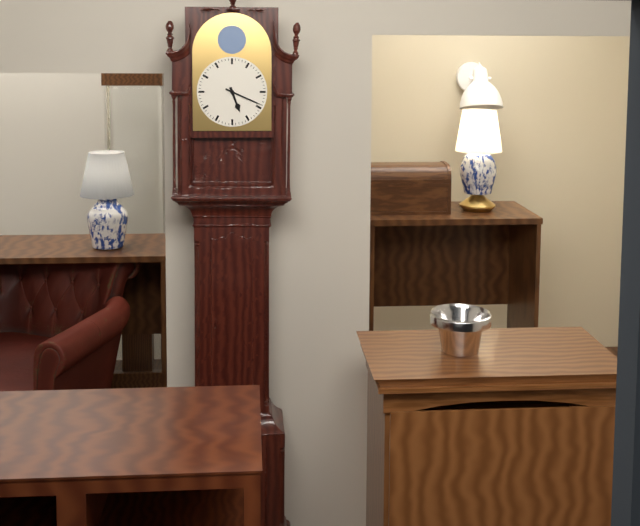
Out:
h=5 m=19
